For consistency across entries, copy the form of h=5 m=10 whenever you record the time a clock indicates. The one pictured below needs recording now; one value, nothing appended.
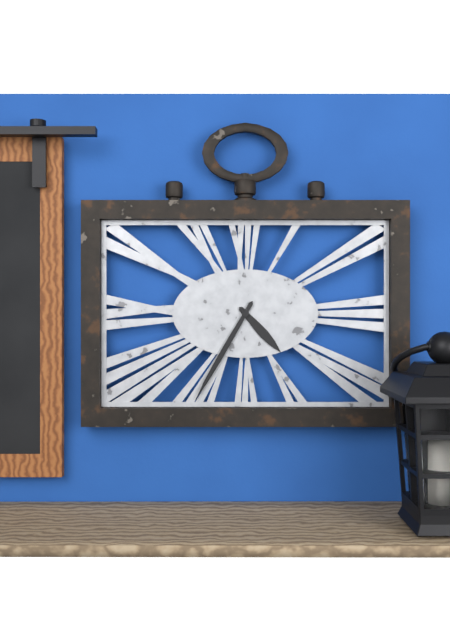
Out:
h=4 m=35
